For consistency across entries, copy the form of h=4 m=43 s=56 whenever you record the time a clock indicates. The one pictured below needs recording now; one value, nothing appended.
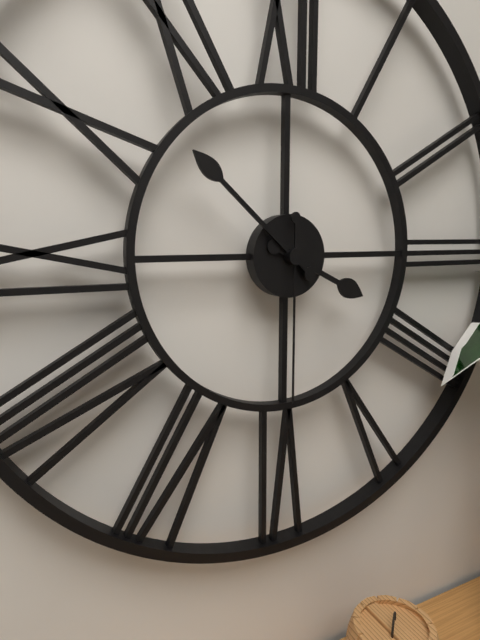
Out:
h=3 m=52 s=30
